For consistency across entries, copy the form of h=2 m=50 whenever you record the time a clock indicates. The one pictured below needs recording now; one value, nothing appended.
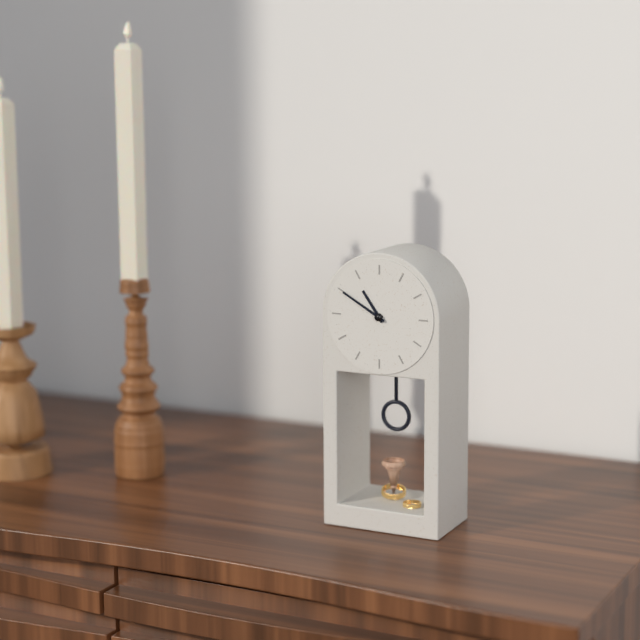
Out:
h=10 m=50
